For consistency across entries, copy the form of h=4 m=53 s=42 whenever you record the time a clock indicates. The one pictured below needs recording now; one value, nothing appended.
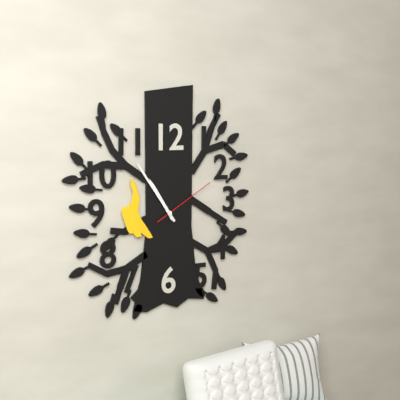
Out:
h=10 m=54 s=10
